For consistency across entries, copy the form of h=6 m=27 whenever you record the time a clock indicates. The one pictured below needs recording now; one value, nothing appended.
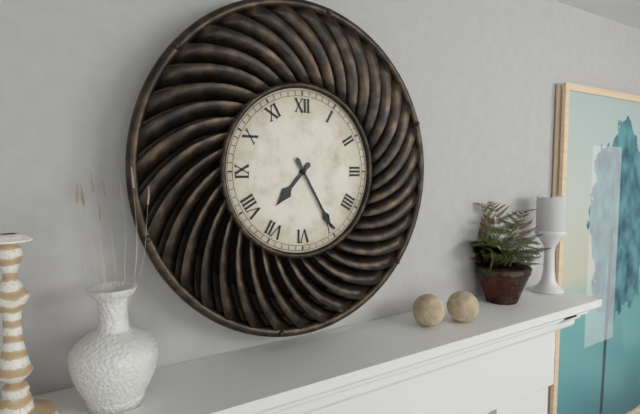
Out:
h=7 m=25
